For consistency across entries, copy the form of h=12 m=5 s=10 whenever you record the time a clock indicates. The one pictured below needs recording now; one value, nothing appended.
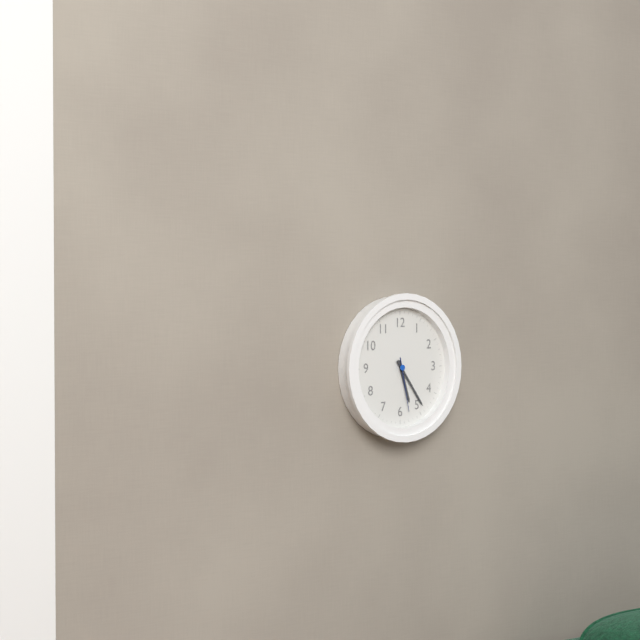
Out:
h=5 m=24 s=28
